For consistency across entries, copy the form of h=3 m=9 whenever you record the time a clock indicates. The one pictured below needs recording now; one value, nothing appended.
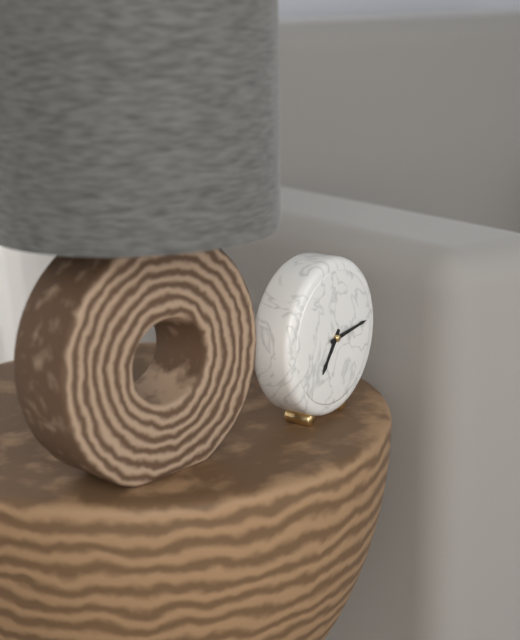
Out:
h=7 m=14
